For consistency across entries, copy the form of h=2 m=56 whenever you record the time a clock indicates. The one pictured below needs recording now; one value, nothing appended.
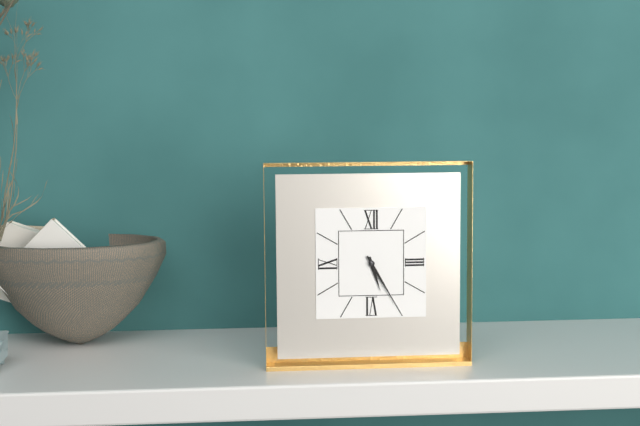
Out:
h=5 m=25
